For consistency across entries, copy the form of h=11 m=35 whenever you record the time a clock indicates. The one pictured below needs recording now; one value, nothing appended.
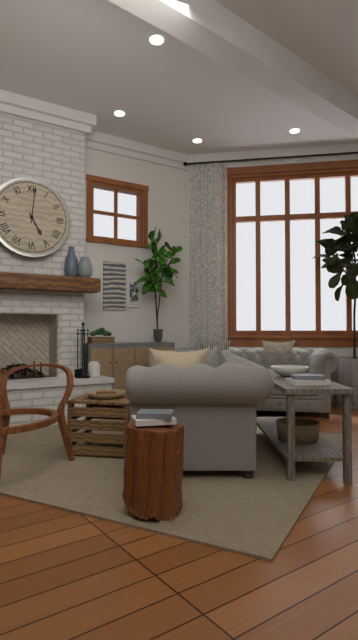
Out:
h=5 m=1
